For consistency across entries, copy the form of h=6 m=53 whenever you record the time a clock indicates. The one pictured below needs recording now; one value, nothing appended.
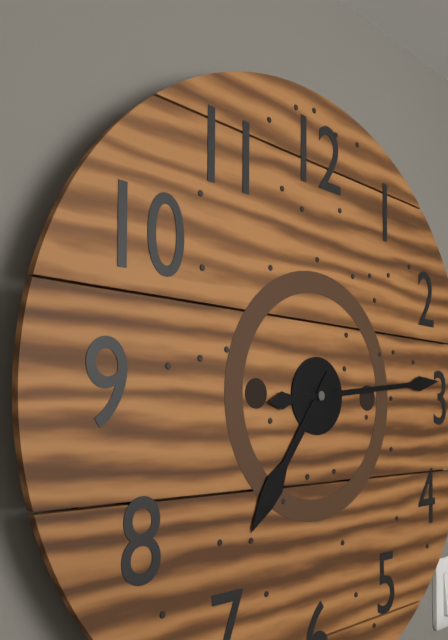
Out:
h=7 m=14
